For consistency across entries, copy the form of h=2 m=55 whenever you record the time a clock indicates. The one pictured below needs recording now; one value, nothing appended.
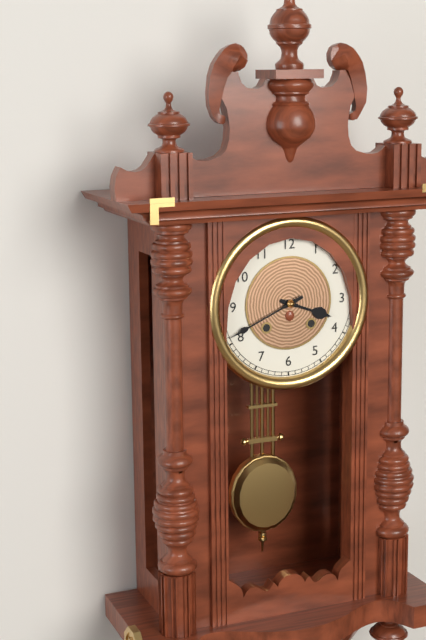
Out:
h=3 m=41
